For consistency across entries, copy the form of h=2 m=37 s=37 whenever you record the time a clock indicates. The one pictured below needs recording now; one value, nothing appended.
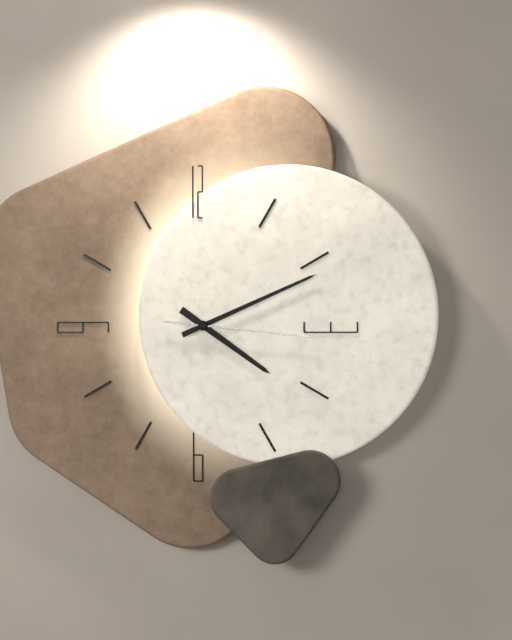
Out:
h=4 m=11 s=16
